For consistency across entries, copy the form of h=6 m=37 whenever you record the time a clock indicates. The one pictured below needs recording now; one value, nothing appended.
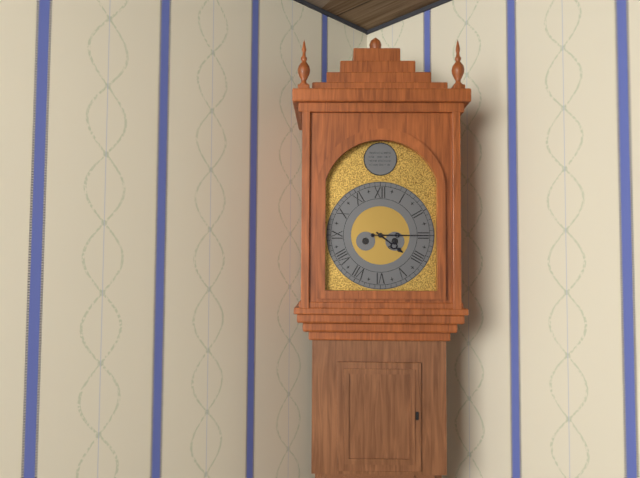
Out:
h=4 m=15
